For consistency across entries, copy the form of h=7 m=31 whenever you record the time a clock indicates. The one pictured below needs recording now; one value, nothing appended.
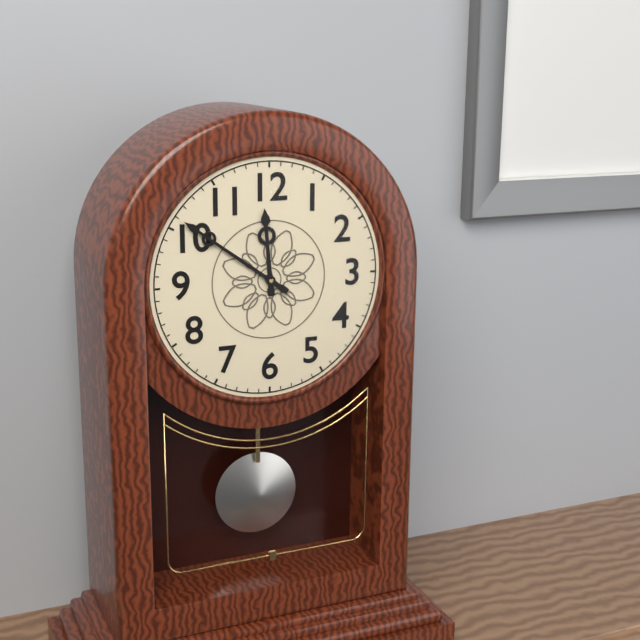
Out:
h=11 m=51
